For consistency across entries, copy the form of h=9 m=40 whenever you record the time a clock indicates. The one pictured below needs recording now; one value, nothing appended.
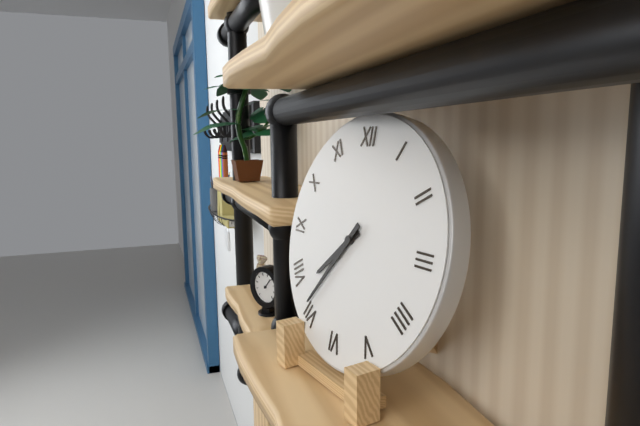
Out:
h=7 m=36
